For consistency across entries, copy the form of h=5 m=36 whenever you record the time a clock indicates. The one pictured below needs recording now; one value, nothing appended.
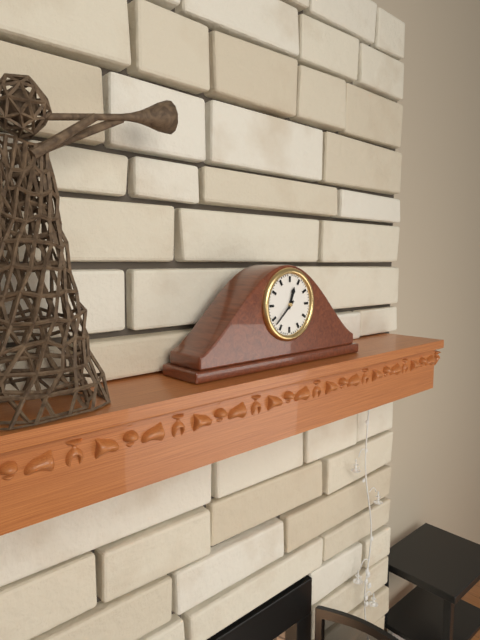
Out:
h=12 m=38
